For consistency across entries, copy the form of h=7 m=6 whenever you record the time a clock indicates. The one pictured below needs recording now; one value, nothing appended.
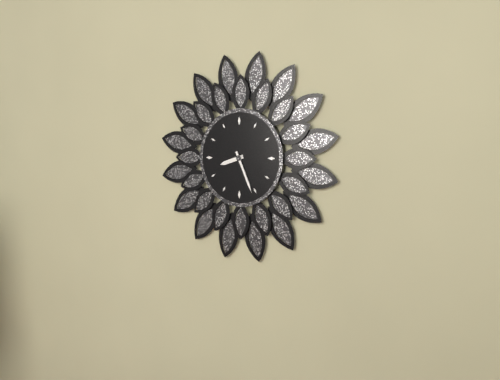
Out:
h=8 m=26
